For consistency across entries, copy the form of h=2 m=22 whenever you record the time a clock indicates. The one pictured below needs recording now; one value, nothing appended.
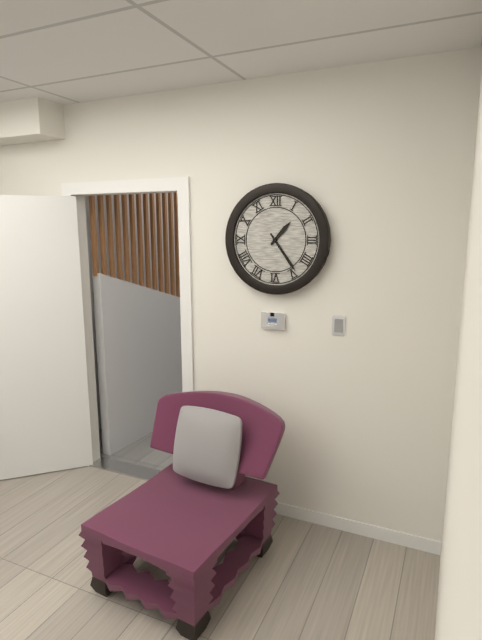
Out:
h=1 m=24
